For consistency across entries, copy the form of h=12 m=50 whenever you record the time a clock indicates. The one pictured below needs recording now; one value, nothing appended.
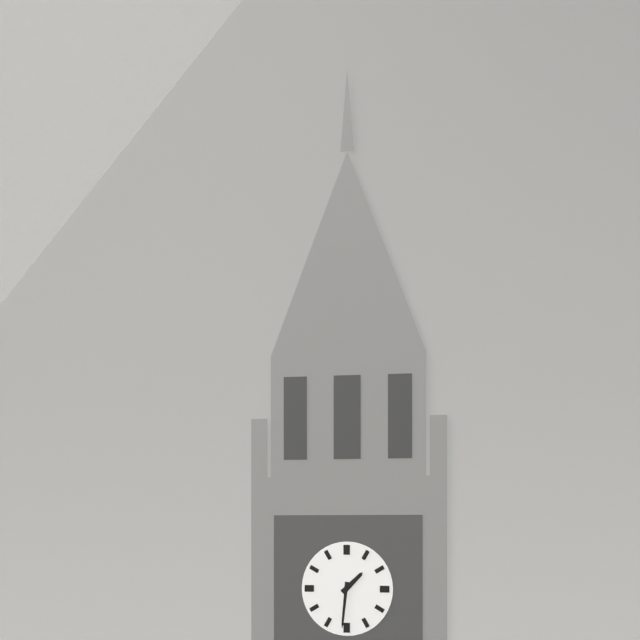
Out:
h=1 m=31
